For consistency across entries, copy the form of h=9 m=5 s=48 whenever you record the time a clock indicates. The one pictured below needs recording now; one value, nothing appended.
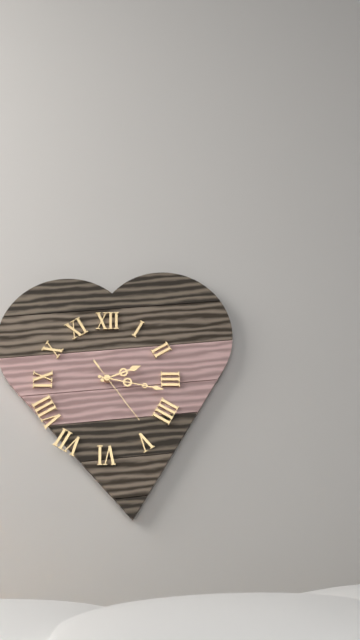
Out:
h=2 m=17 s=24
